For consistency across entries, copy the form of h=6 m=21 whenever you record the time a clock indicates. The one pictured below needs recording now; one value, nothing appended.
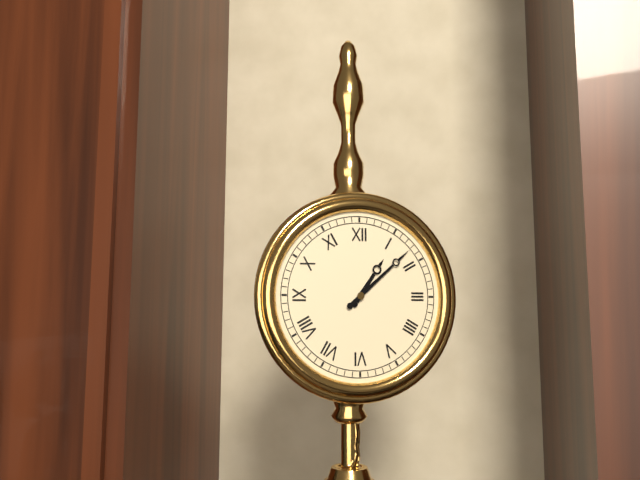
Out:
h=1 m=8
